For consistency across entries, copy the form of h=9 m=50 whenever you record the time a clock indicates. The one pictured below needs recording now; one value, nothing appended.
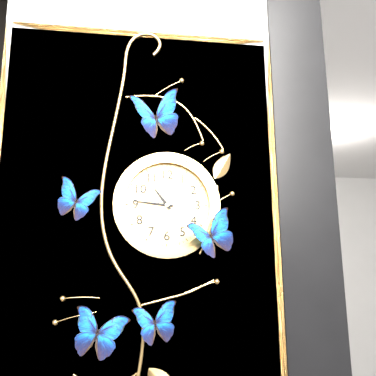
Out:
h=10 m=46
